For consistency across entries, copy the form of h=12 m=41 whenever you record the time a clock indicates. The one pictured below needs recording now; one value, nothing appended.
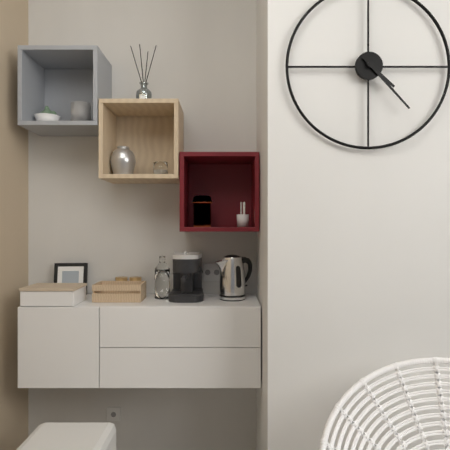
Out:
h=4 m=23
